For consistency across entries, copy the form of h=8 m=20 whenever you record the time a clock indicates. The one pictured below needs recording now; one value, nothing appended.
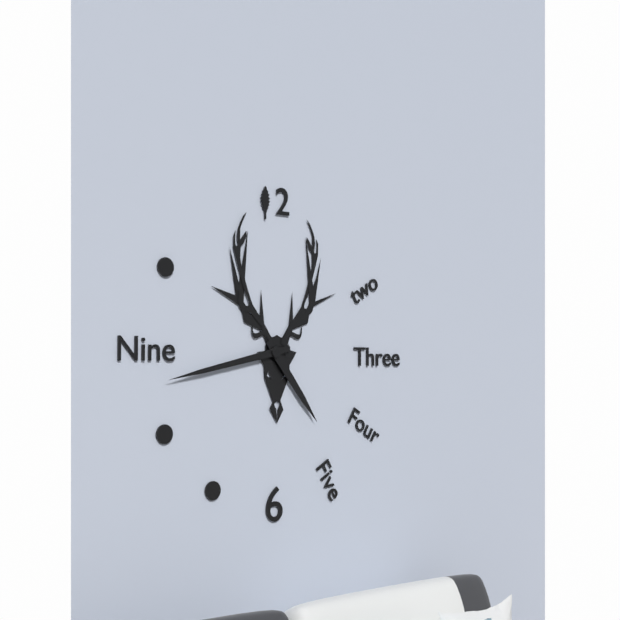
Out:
h=4 m=43
